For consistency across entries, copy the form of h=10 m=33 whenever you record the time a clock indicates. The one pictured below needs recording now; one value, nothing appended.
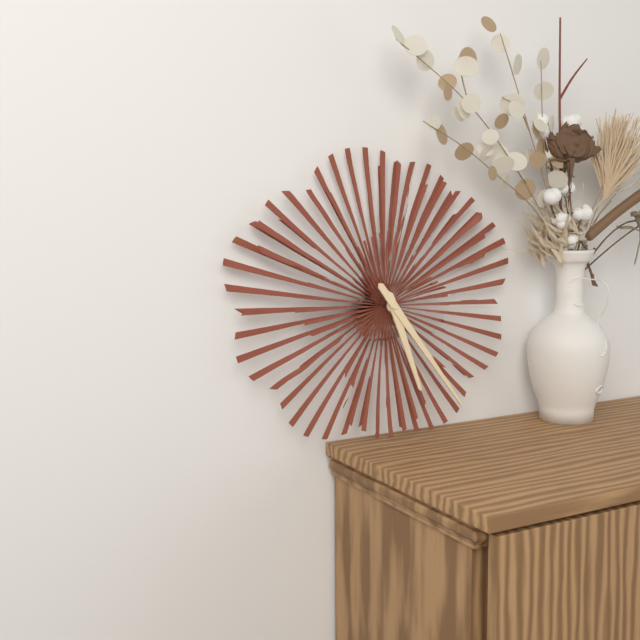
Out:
h=5 m=24
